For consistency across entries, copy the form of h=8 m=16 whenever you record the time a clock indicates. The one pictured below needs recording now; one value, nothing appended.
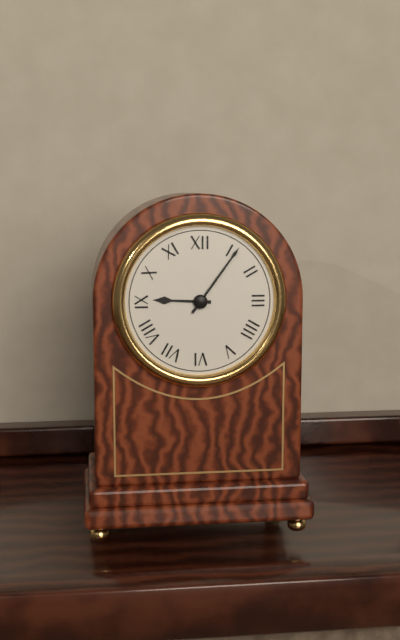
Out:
h=9 m=6
